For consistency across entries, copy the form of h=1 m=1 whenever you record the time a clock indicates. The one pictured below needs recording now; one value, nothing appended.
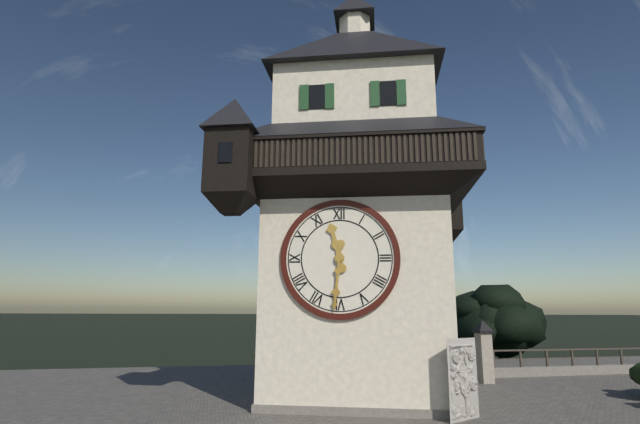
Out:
h=11 m=31
